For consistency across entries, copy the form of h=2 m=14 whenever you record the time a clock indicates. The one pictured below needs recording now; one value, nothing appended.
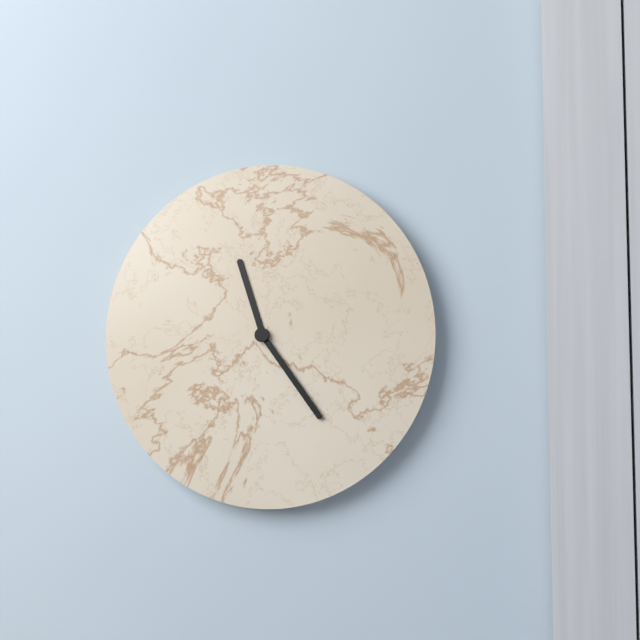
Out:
h=11 m=24
